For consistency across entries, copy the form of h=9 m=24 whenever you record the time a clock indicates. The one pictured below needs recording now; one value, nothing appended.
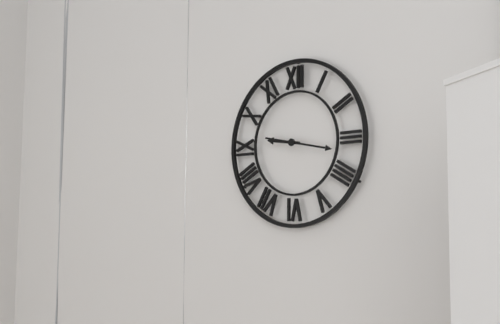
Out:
h=9 m=17
